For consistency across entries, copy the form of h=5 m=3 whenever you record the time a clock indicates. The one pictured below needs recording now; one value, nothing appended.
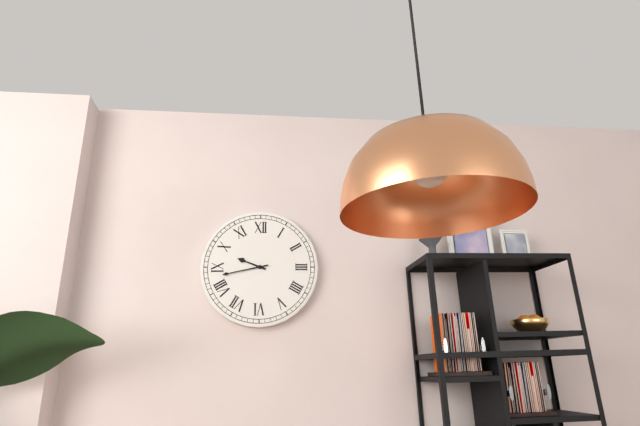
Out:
h=9 m=43
